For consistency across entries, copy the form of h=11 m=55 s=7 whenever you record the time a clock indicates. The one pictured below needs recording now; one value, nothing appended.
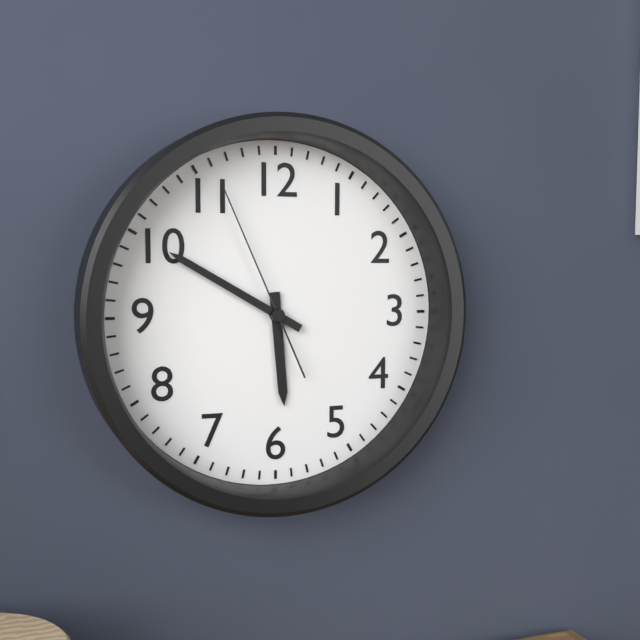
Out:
h=5 m=50 s=56
